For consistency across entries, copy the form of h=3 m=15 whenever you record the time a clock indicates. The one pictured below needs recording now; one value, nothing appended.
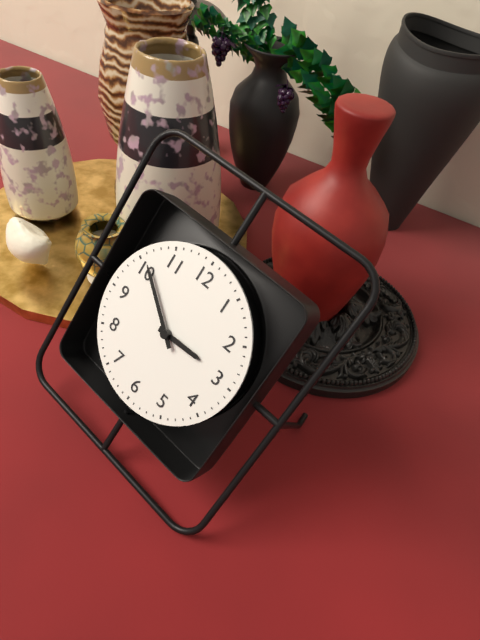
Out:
h=2 m=51
